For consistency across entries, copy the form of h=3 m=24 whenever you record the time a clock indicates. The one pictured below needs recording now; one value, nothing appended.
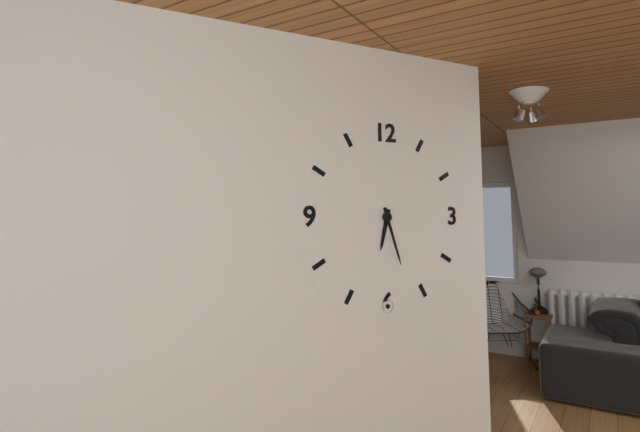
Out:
h=6 m=27
